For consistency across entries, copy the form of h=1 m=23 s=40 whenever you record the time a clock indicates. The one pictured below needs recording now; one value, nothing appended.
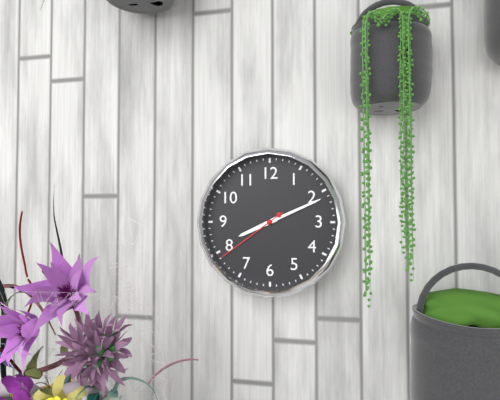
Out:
h=8 m=11 s=39
